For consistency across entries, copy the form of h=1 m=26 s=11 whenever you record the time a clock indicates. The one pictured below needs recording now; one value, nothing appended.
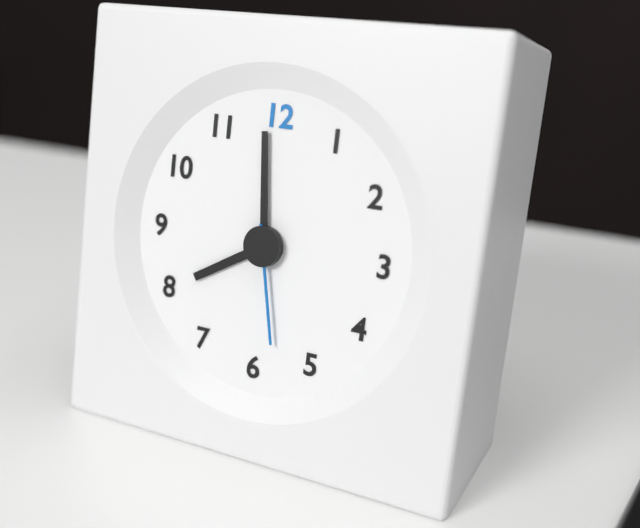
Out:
h=7 m=59 s=28
